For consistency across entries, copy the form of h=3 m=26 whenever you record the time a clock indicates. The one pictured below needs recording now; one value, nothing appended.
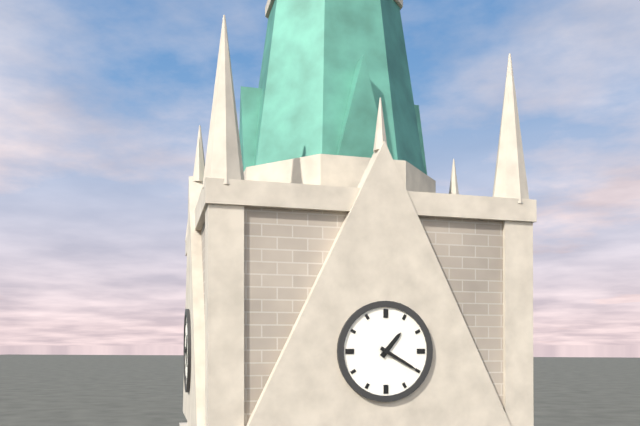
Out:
h=1 m=20
